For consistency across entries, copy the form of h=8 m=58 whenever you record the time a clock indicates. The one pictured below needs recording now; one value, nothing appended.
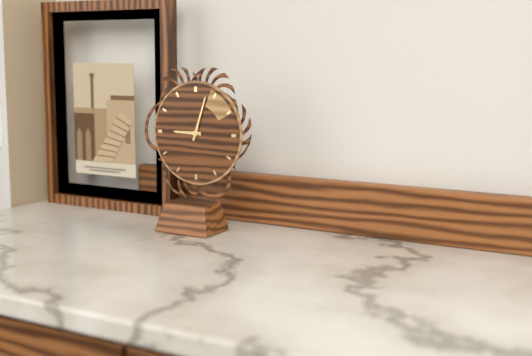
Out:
h=9 m=3
